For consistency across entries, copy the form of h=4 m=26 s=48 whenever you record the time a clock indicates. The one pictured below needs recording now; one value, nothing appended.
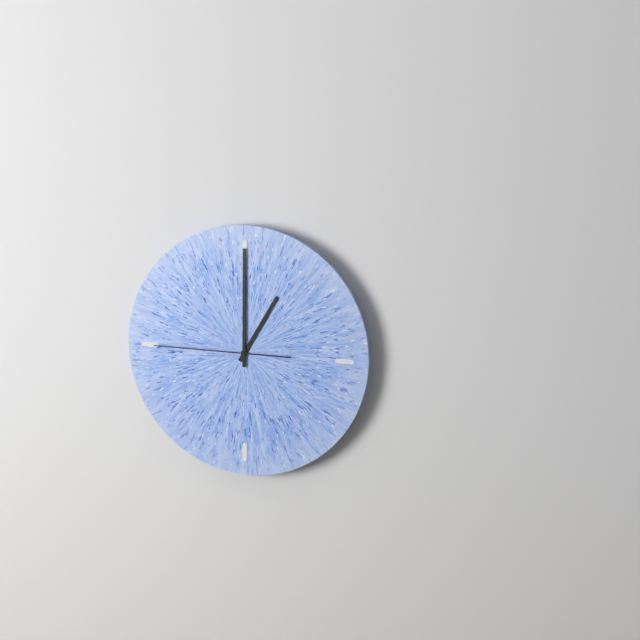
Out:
h=1 m=0 s=45
